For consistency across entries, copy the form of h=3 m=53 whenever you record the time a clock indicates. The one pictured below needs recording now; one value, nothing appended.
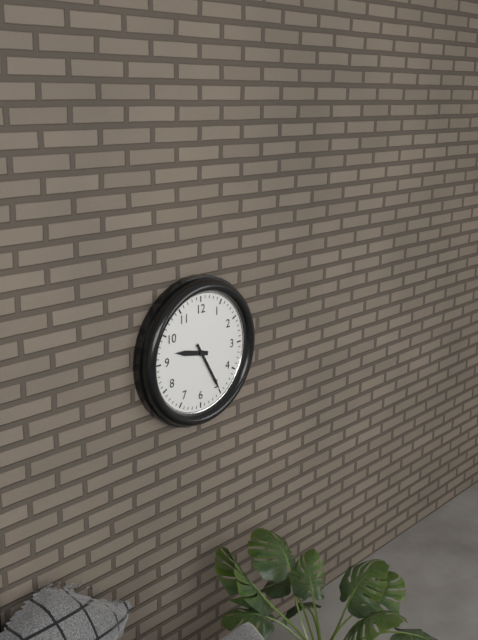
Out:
h=9 m=25
